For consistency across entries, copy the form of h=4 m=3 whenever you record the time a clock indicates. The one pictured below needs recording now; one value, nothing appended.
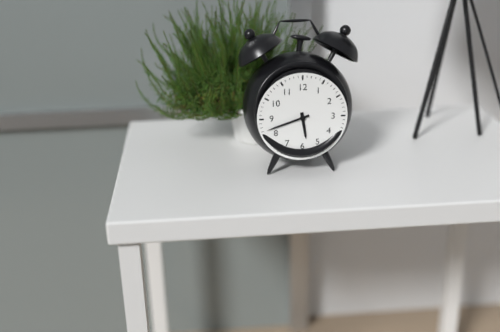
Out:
h=5 m=42
